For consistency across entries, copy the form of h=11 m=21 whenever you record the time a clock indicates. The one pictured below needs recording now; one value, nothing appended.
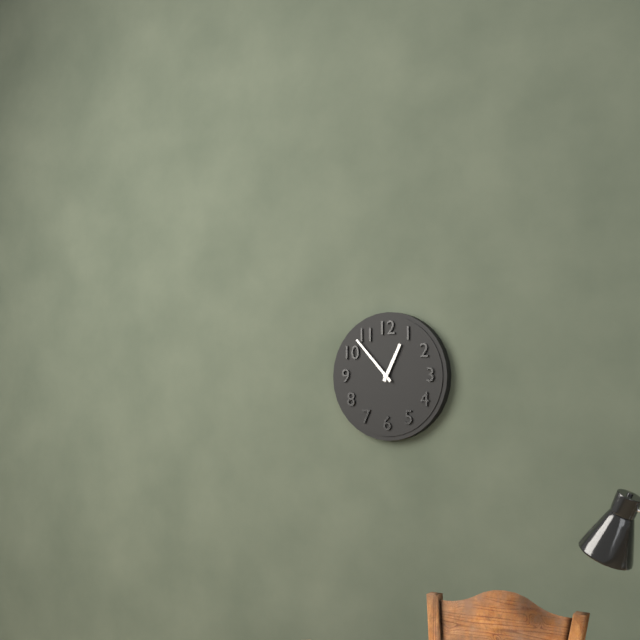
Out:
h=12 m=53
